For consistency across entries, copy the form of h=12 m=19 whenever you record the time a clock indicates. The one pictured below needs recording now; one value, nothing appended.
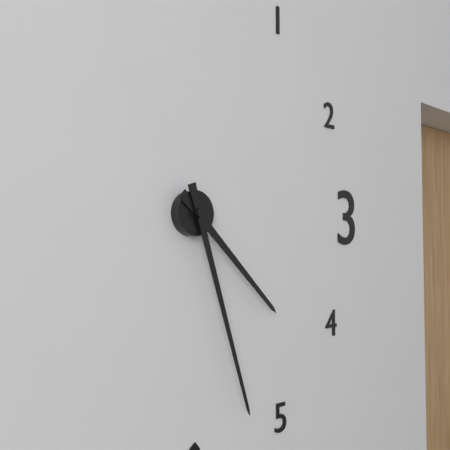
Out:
h=4 m=27
